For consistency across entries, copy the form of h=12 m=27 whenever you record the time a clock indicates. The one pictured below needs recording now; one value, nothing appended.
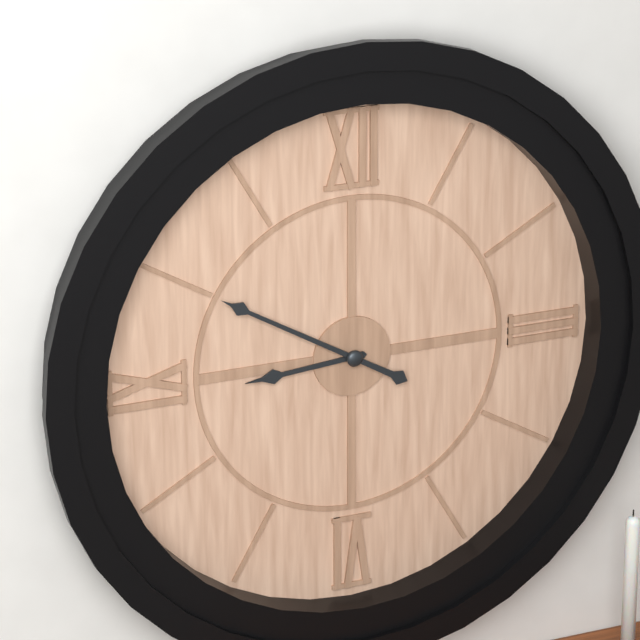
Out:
h=8 m=50
